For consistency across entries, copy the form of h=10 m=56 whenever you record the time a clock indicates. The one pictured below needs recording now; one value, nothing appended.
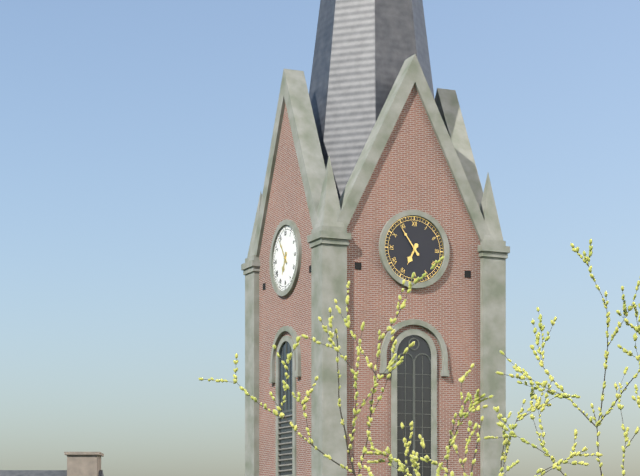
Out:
h=6 m=54
